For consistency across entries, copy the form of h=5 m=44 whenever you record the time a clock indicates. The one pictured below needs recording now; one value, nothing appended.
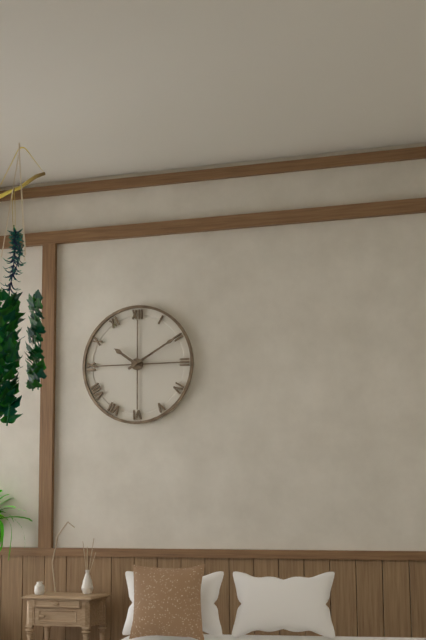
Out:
h=10 m=10
